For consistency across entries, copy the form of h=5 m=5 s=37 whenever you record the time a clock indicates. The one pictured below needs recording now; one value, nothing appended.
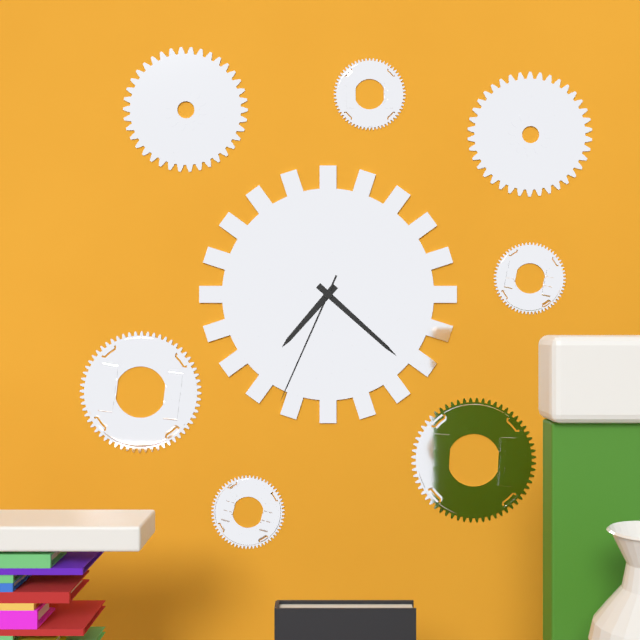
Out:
h=7 m=22 s=34
